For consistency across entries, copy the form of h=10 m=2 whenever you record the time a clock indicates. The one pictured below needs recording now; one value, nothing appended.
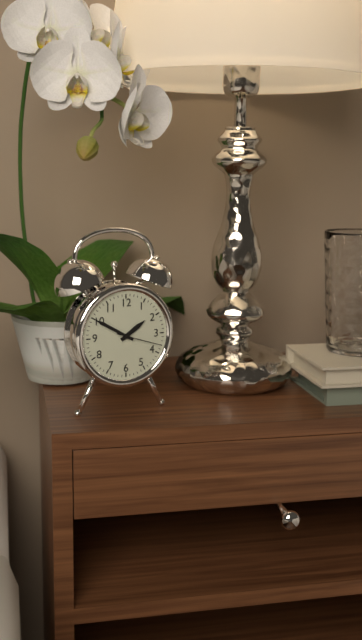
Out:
h=1 m=50
